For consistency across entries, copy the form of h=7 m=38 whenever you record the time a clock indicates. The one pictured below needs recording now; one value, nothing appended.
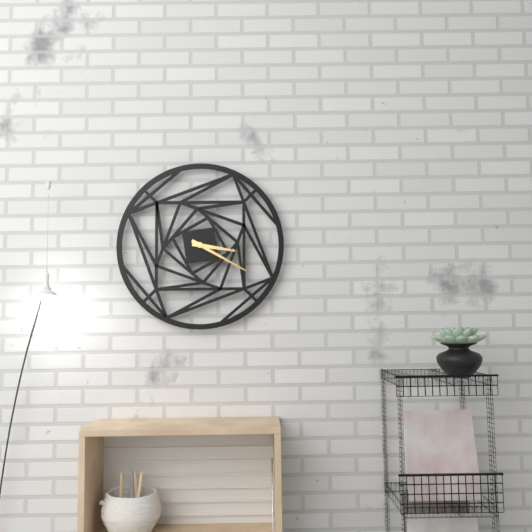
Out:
h=3 m=20
